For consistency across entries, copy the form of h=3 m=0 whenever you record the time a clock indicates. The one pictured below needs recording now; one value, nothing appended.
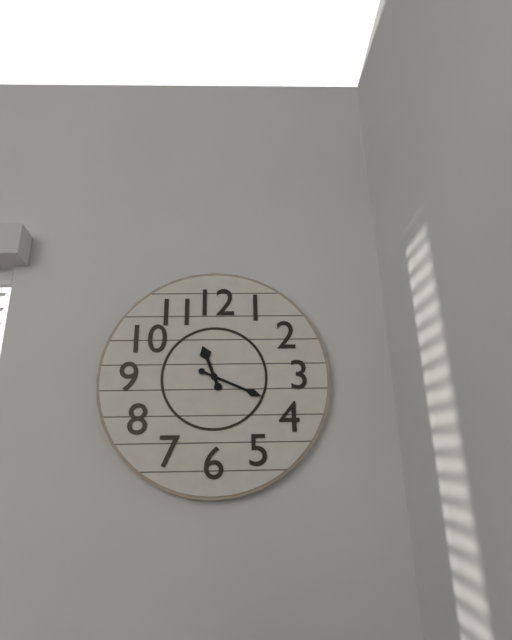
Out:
h=11 m=19
